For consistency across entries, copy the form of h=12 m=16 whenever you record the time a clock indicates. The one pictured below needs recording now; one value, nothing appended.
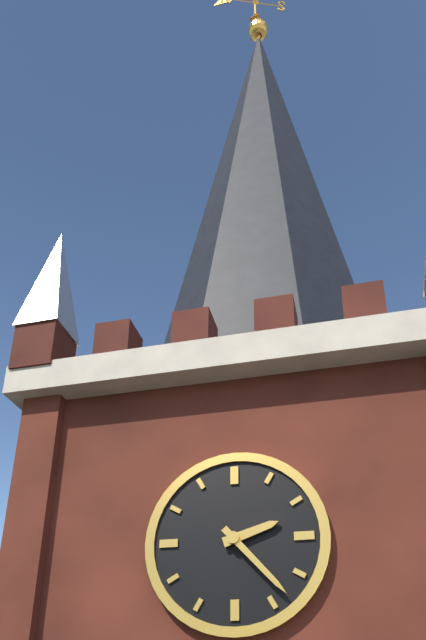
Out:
h=2 m=23
